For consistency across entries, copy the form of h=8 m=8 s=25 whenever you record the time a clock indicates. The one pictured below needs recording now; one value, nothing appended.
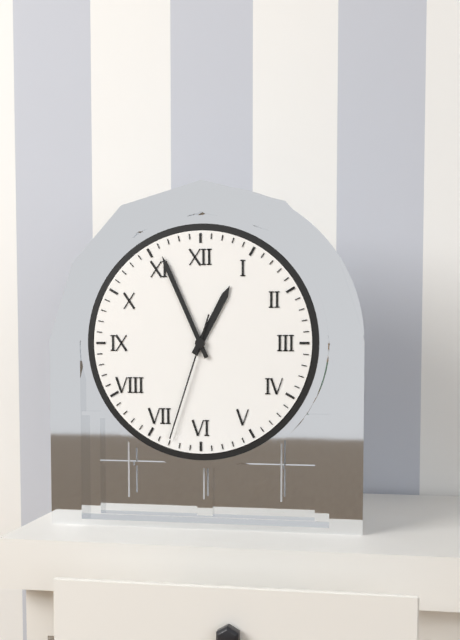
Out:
h=12 m=56 s=33
